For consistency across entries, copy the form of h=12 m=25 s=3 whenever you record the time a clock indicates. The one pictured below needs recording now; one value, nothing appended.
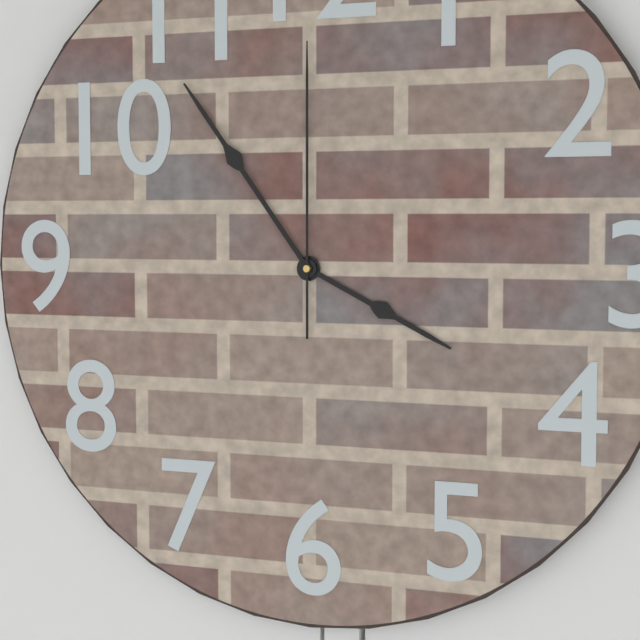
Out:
h=3 m=54 s=0
